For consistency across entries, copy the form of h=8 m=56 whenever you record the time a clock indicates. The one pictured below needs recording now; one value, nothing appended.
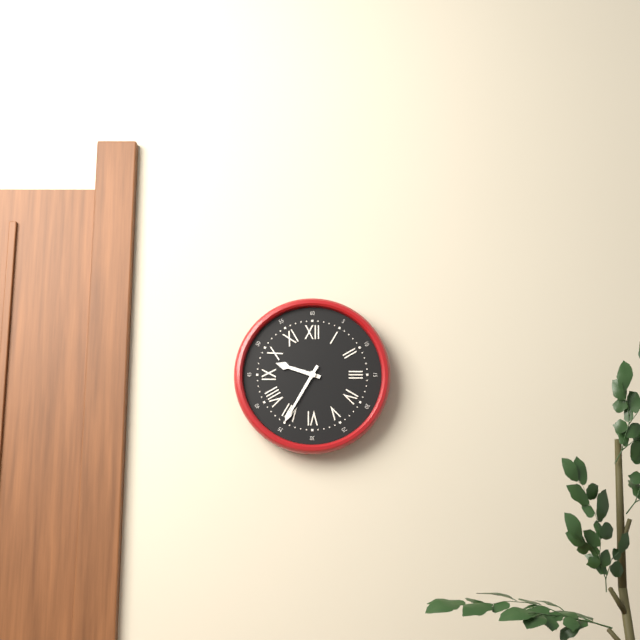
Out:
h=9 m=35
